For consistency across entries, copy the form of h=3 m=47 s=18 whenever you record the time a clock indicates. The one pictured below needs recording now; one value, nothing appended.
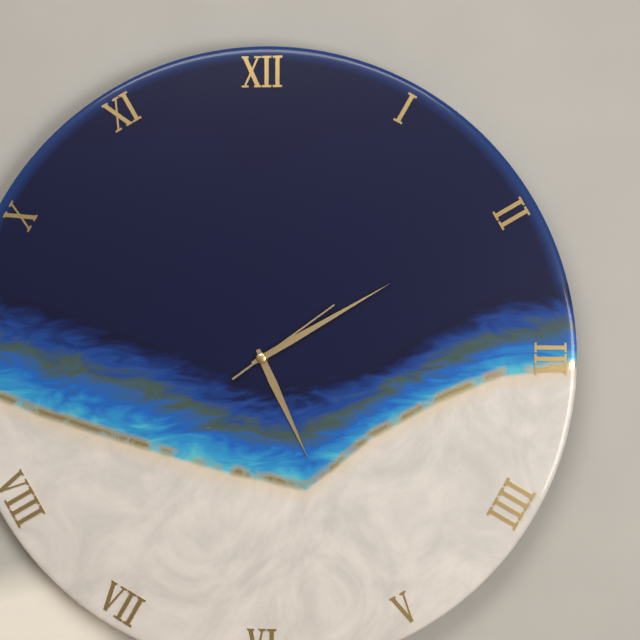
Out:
h=5 m=10 s=9
